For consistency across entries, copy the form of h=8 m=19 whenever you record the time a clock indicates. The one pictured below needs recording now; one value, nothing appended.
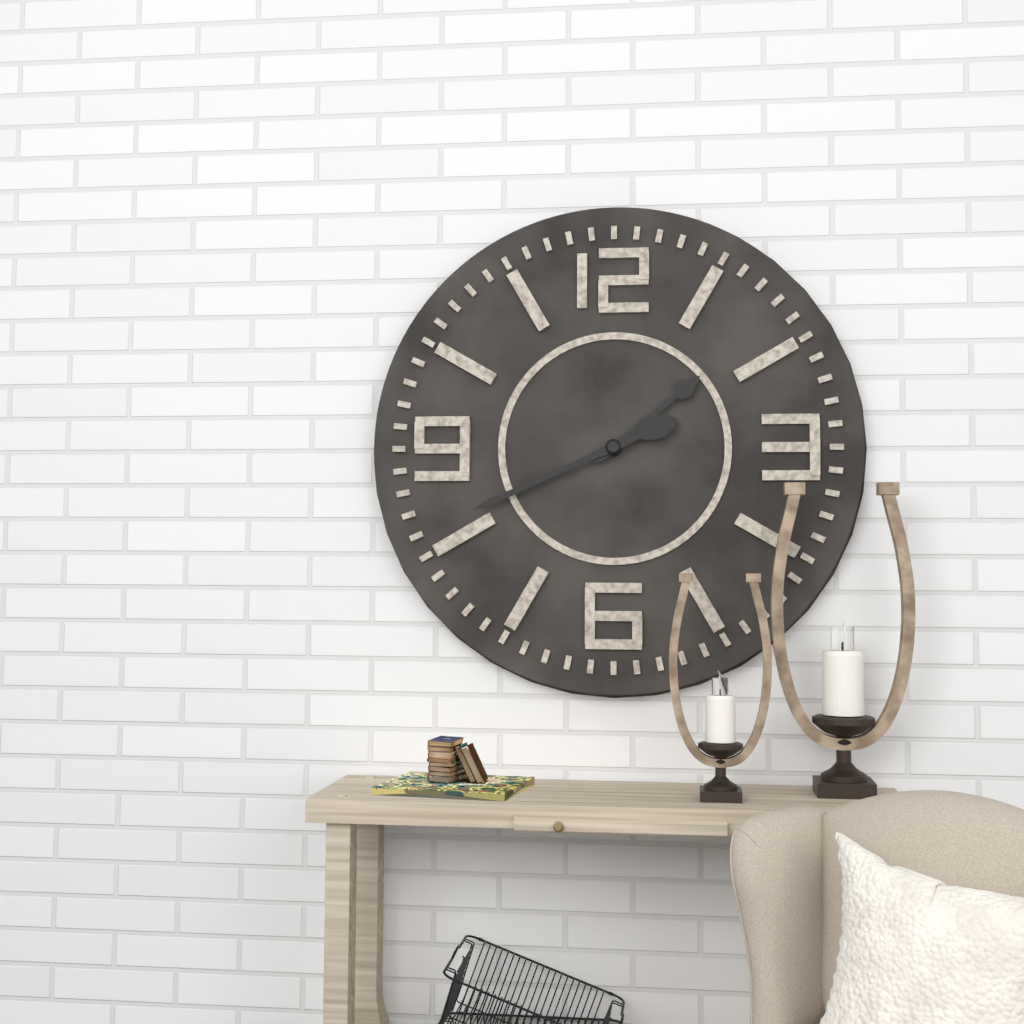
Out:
h=1 m=41
